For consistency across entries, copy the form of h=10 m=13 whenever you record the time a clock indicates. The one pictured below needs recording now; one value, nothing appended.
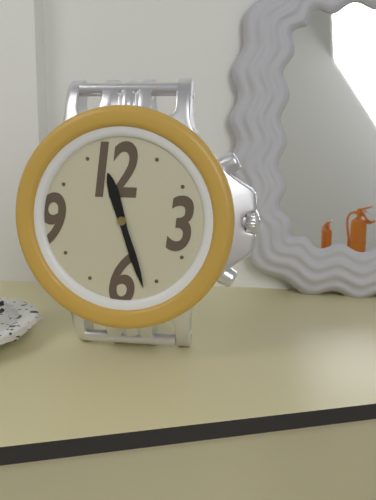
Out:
h=11 m=27
